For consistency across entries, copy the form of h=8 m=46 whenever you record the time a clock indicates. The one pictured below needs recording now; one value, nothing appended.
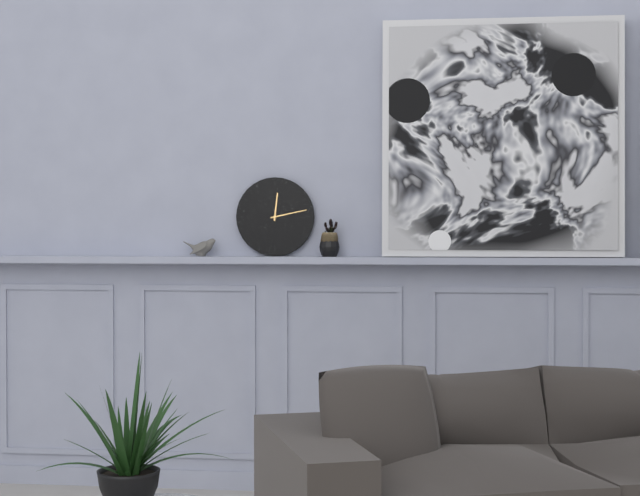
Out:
h=12 m=13
